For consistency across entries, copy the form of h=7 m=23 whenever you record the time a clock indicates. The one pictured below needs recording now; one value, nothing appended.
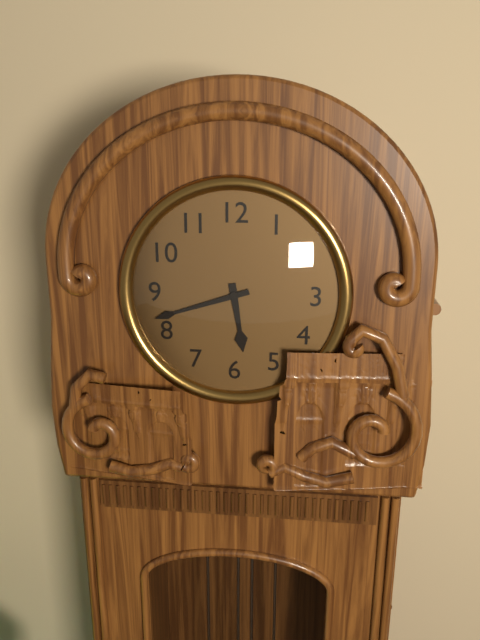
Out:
h=5 m=42
